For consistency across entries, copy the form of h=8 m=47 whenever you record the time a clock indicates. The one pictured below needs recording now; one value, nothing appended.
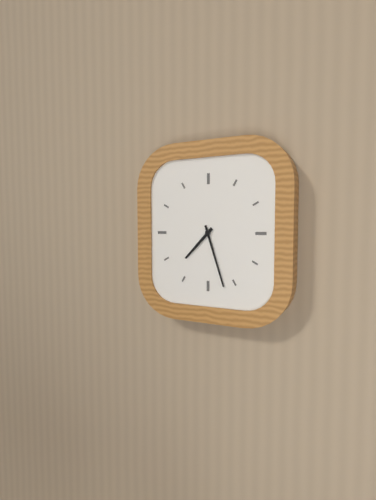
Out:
h=7 m=27
